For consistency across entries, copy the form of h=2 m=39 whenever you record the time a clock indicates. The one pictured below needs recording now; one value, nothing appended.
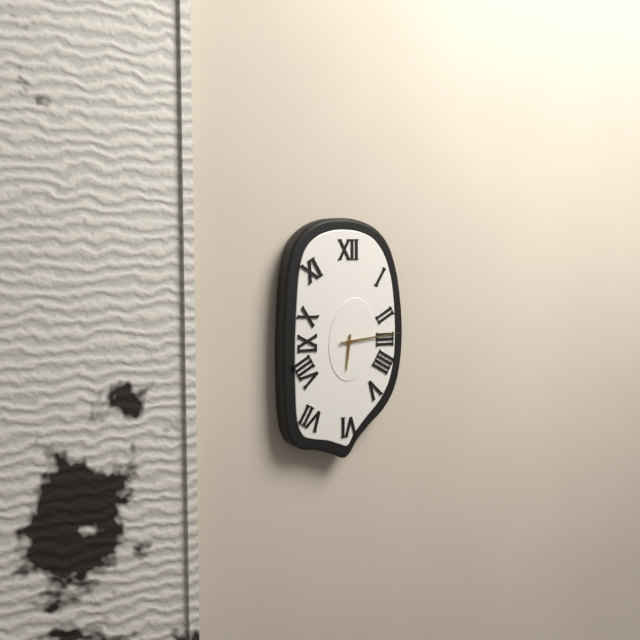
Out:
h=6 m=14
